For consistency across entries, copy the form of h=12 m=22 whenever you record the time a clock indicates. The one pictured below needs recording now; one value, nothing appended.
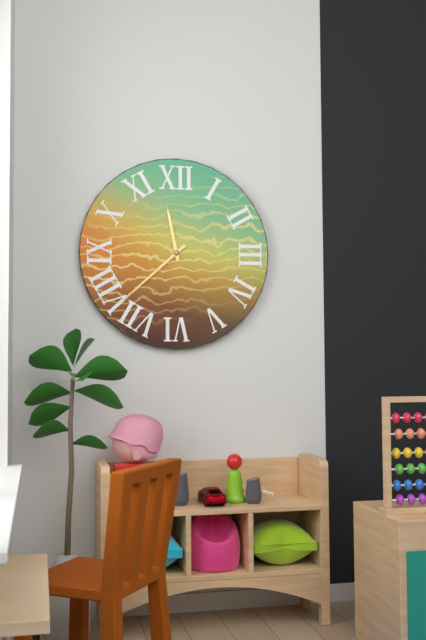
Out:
h=11 m=38
